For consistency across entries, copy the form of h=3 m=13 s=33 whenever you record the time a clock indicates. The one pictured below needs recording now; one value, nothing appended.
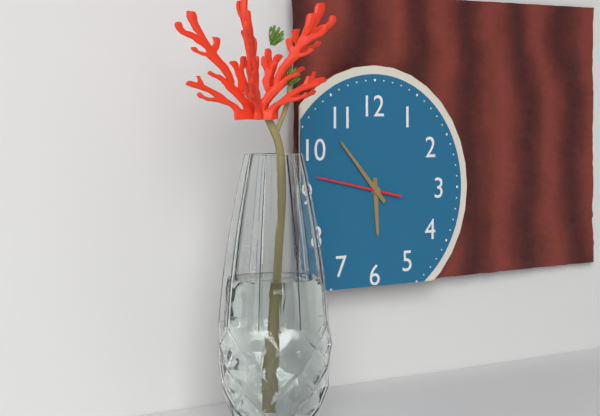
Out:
h=5 m=53 s=47
